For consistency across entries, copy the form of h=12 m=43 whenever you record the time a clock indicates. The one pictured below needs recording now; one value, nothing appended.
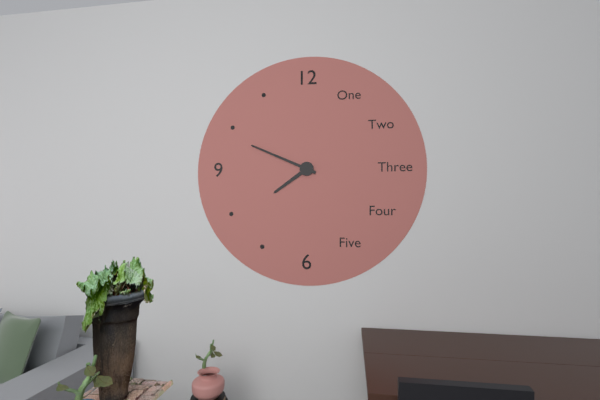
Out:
h=7 m=49
